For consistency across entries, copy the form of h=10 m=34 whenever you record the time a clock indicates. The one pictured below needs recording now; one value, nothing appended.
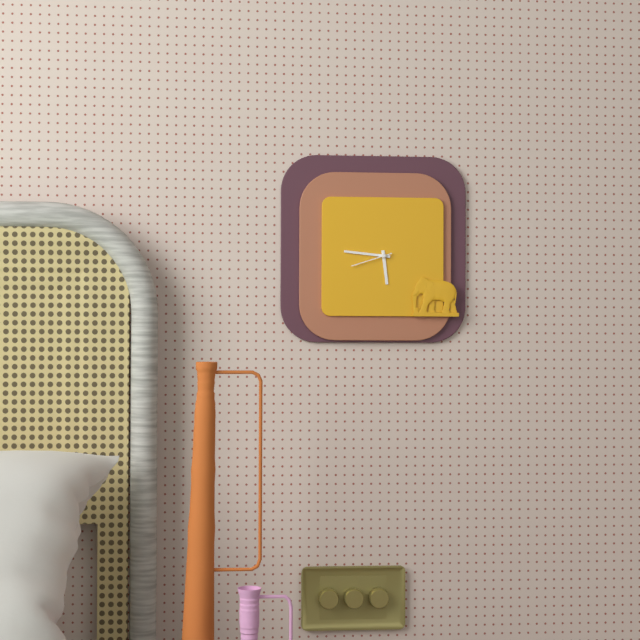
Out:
h=5 m=46
